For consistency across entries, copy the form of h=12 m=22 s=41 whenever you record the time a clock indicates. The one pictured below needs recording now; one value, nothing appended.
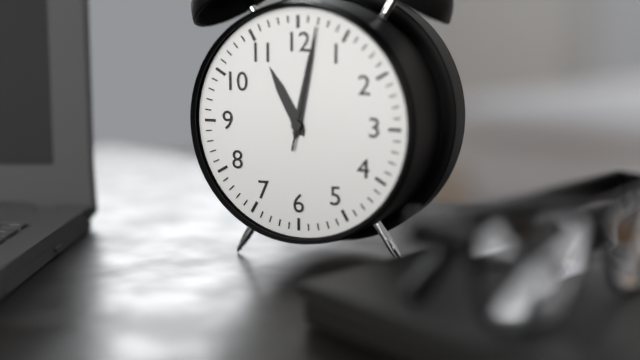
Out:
h=11 m=2 s=2
